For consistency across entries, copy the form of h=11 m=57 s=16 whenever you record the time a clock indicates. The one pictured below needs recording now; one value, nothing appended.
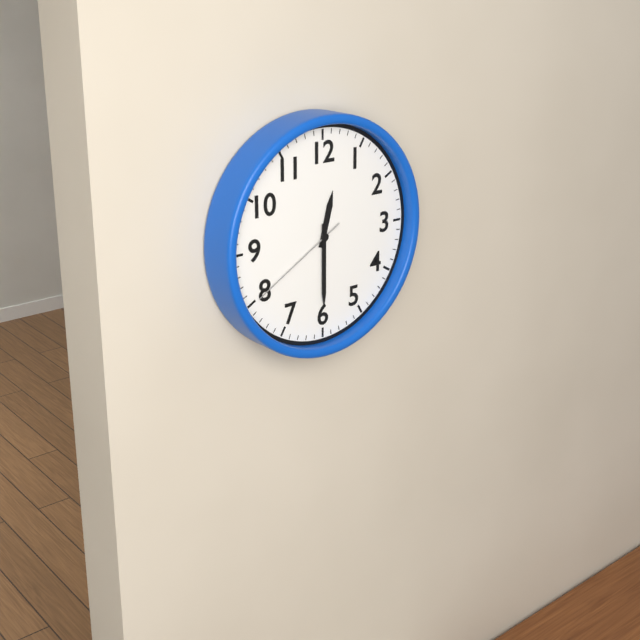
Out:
h=12 m=30 s=40
